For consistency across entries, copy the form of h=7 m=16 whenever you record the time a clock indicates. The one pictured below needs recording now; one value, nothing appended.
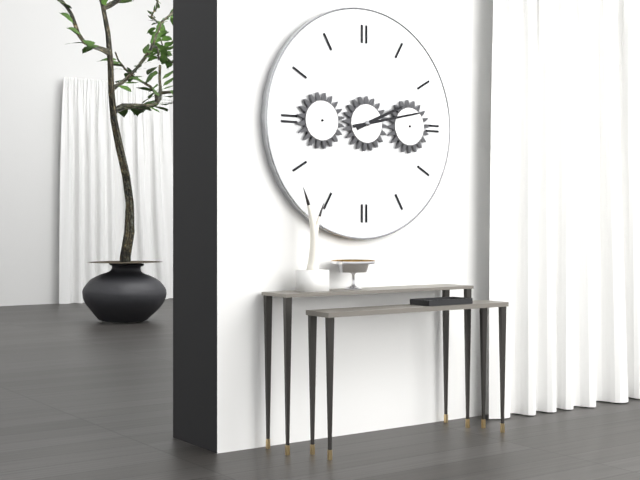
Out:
h=2 m=13
